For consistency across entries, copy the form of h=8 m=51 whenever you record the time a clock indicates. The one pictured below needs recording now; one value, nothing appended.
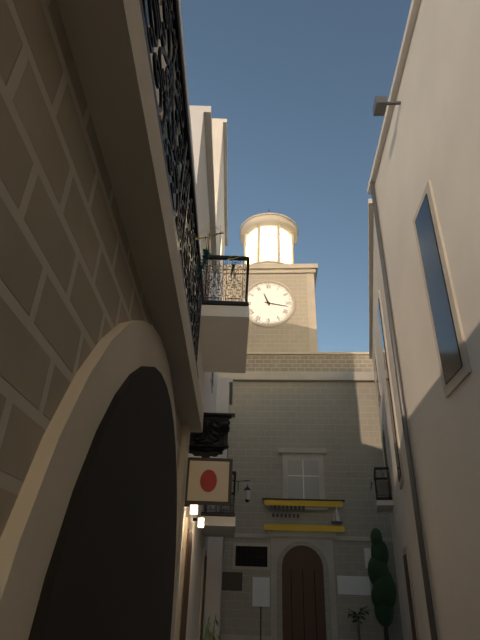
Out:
h=11 m=17
